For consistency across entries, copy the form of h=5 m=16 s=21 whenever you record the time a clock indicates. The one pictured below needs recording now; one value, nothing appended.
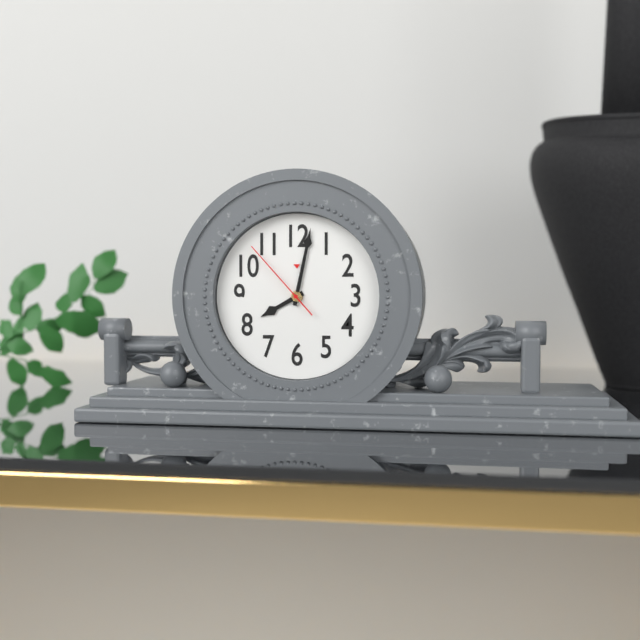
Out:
h=8 m=2 s=53
